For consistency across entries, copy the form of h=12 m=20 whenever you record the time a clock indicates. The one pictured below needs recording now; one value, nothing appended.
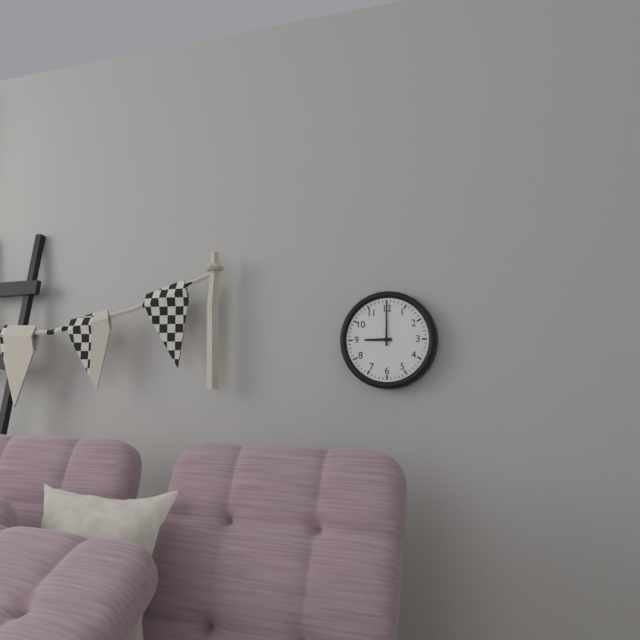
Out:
h=9 m=0
